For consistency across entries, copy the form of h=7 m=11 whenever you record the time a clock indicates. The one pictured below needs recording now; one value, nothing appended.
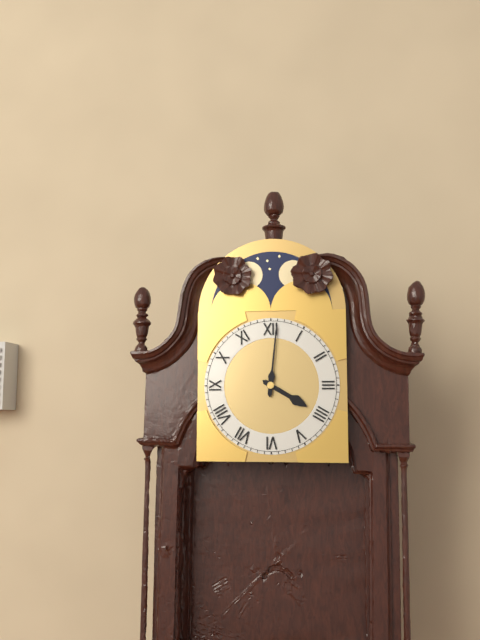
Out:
h=4 m=1
